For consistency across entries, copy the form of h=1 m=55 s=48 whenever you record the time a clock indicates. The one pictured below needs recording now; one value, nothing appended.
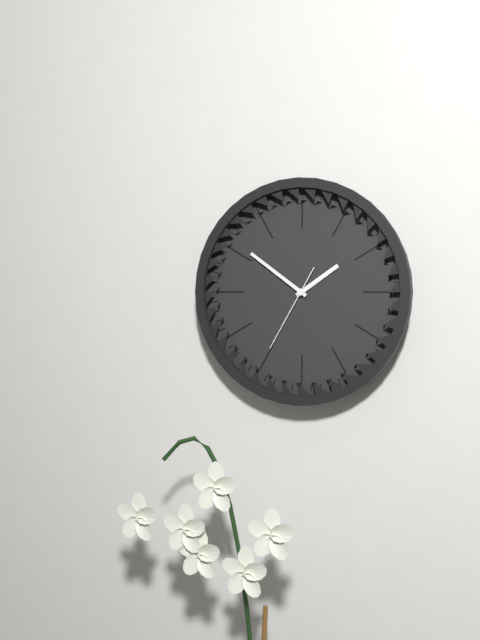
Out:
h=1 m=51 s=35
